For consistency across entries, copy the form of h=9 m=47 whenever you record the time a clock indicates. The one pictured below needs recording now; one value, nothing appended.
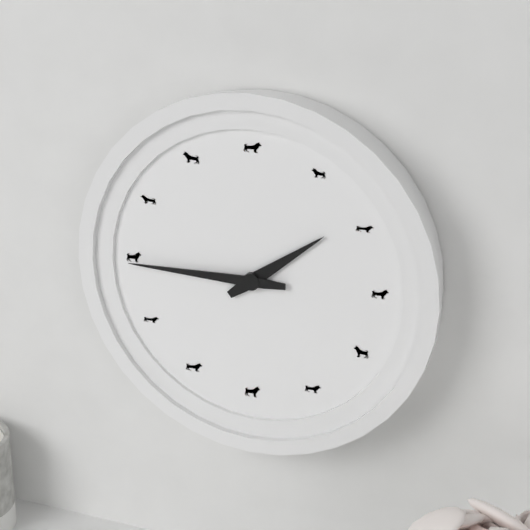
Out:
h=1 m=45
